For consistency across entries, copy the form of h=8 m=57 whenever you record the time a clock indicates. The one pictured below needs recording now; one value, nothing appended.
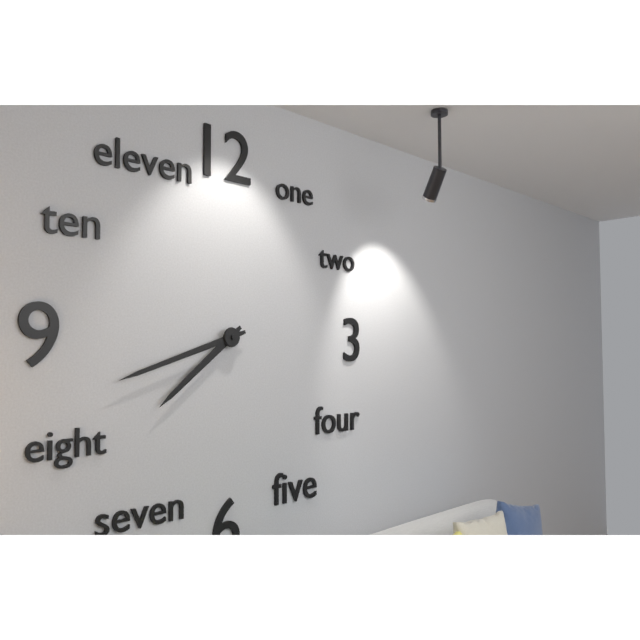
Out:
h=7 m=42
